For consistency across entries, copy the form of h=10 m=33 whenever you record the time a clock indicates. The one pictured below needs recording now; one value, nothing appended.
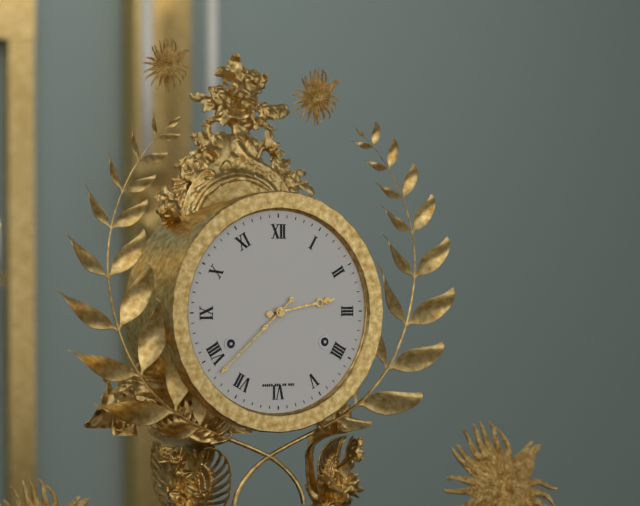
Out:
h=2 m=38
